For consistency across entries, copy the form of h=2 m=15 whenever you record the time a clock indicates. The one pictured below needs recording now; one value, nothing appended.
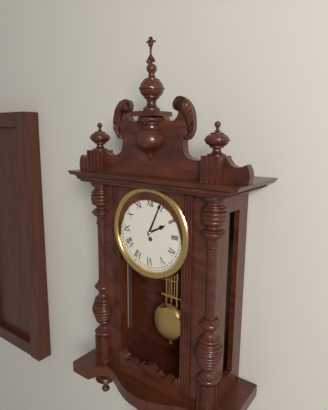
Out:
h=2 m=4
